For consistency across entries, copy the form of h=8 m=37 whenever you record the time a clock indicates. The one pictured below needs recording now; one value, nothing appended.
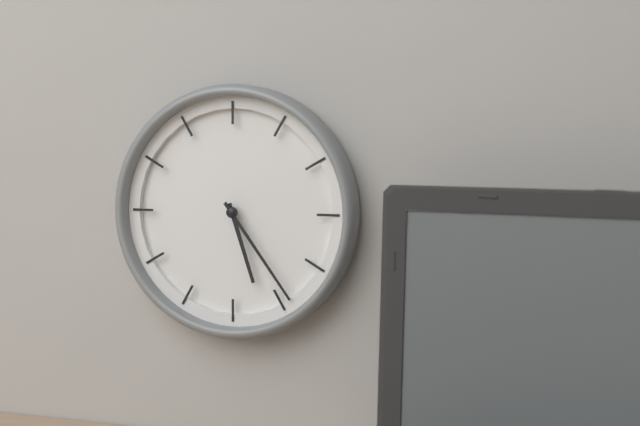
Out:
h=5 m=24
